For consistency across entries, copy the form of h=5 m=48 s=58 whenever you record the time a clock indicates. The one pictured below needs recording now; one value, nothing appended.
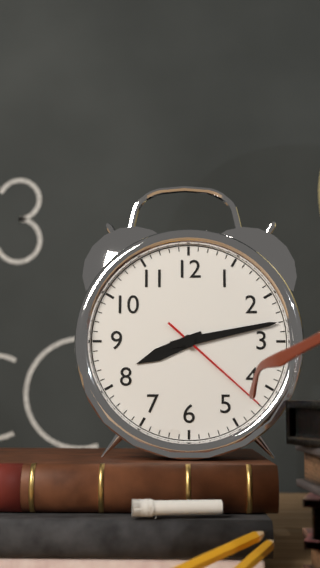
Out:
h=8 m=13 s=22
